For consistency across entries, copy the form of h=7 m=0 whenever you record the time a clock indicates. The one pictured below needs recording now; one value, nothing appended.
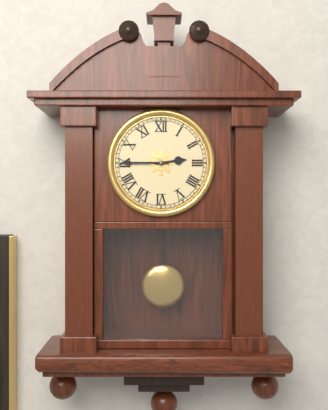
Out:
h=2 m=45
